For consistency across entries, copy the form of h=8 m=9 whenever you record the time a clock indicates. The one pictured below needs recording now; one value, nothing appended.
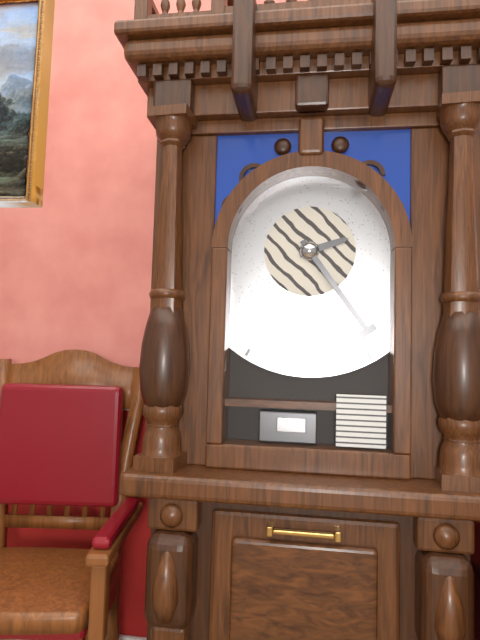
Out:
h=2 m=24
